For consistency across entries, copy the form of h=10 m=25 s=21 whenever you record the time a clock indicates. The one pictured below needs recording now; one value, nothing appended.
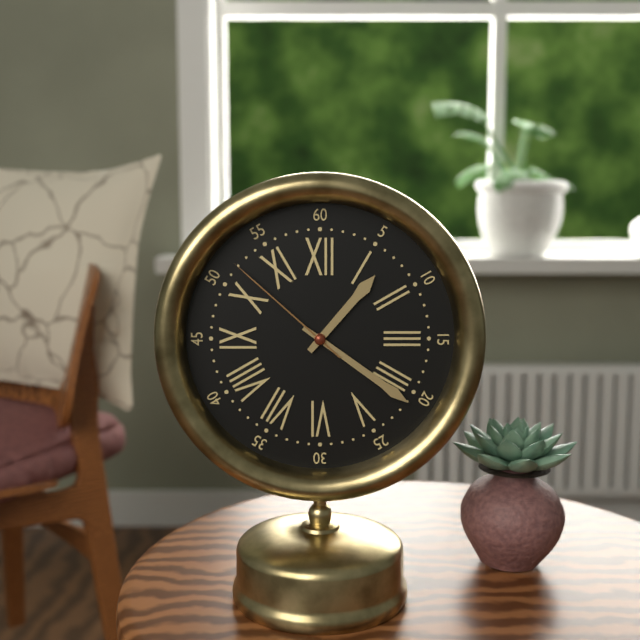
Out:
h=1 m=21 s=52
